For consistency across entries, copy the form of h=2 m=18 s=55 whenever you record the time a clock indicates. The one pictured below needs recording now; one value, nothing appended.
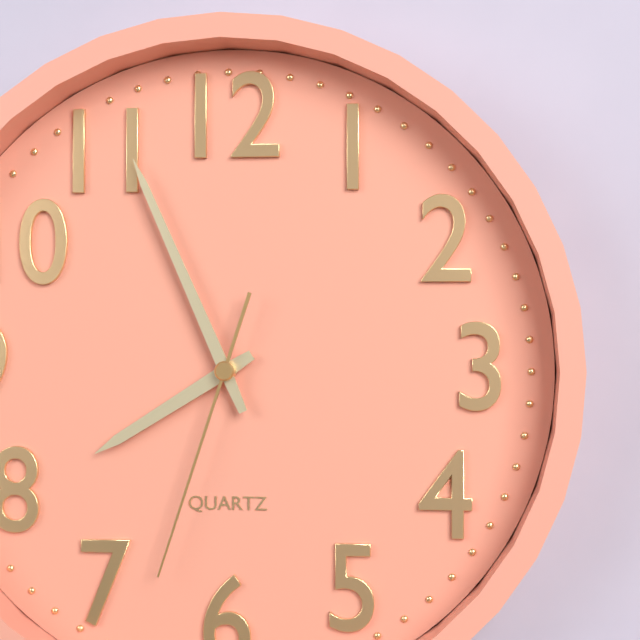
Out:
h=7 m=56 s=33
